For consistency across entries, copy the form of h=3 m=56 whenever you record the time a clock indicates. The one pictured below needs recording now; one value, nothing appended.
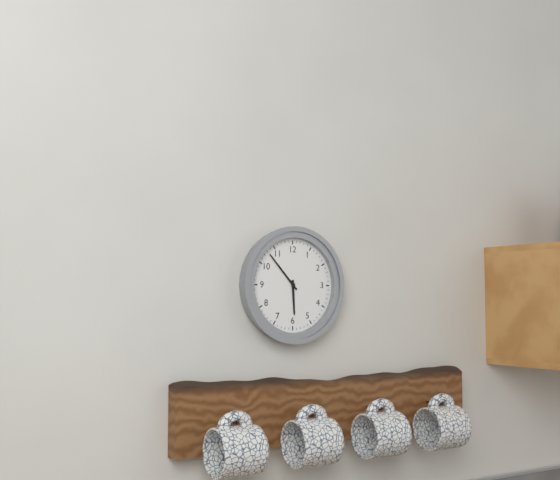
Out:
h=5 m=53
